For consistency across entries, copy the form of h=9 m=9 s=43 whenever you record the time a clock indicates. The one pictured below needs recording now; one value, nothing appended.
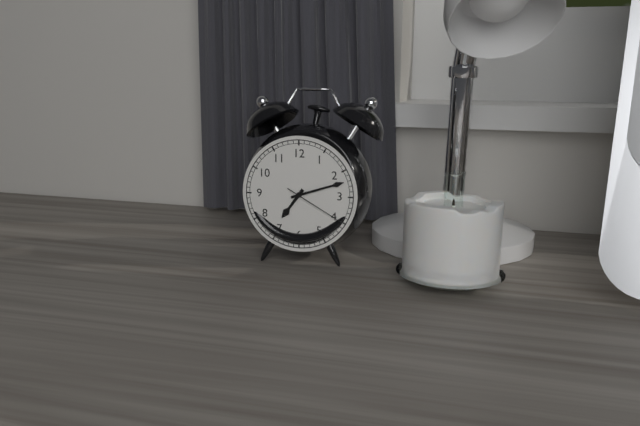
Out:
h=7 m=12 s=20
